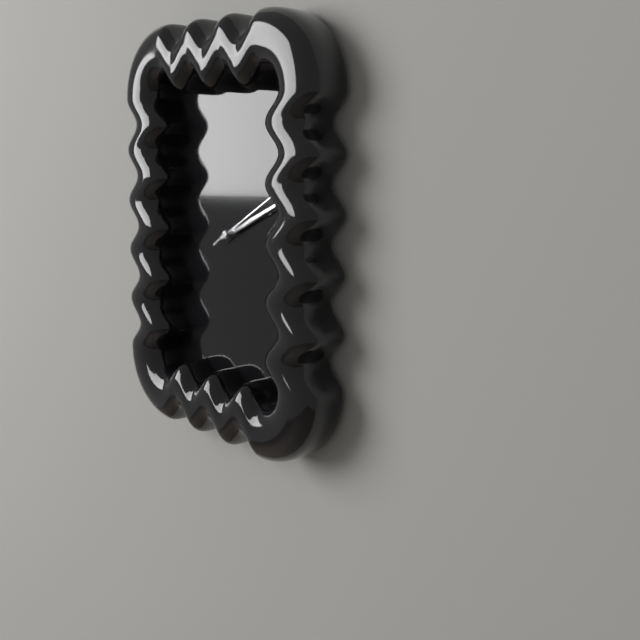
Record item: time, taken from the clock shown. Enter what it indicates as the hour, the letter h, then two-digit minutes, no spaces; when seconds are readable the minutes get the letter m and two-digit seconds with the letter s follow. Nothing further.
2h11m10s
